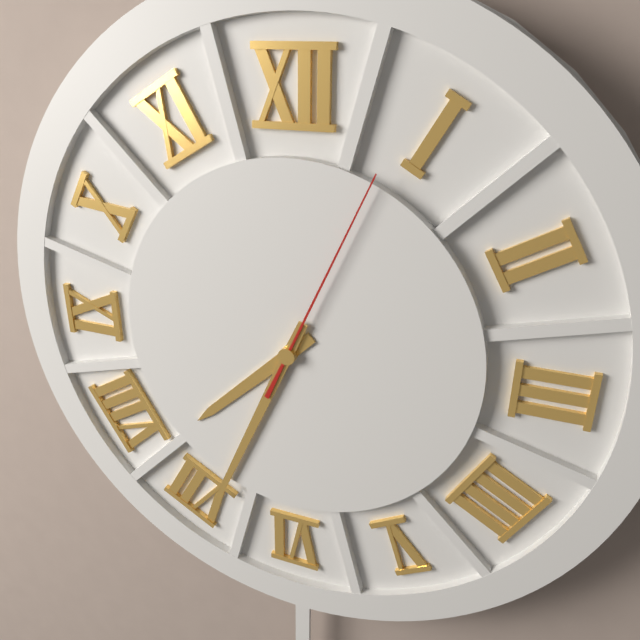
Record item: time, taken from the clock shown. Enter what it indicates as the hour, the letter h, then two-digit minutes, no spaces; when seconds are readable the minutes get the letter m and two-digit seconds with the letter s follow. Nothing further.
7h34m04s
